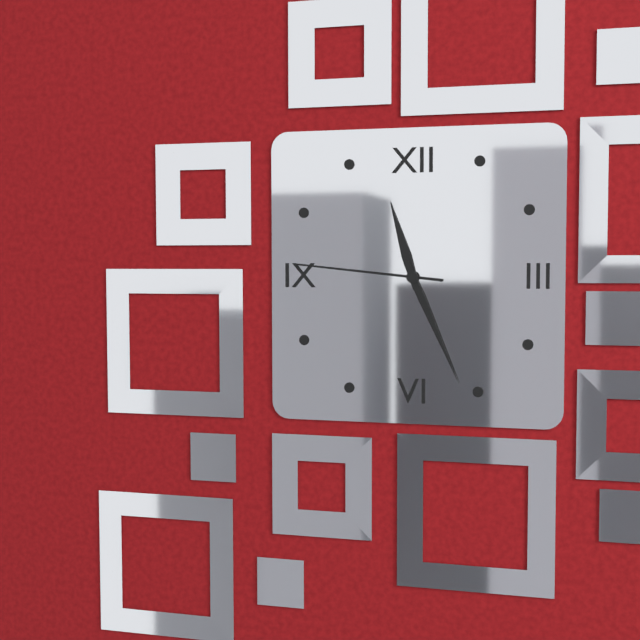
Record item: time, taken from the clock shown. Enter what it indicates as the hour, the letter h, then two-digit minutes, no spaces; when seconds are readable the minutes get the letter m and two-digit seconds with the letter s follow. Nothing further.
11h26m46s
